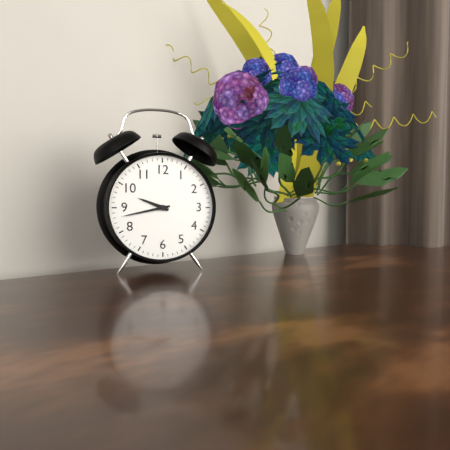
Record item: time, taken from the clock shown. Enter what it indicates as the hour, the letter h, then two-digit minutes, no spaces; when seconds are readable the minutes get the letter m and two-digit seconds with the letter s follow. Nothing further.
9h43
